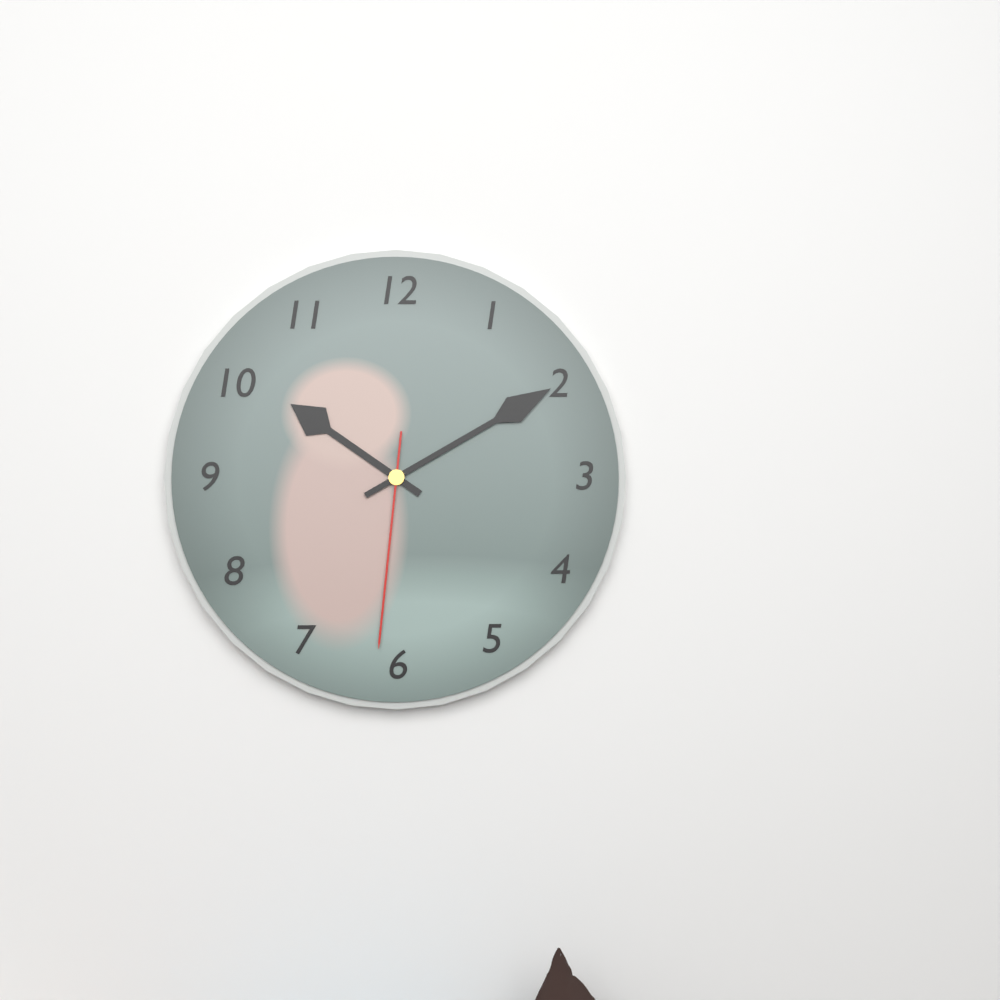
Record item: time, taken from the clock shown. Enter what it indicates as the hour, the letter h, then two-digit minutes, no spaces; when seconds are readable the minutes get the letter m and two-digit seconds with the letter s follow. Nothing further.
10h10m31s
